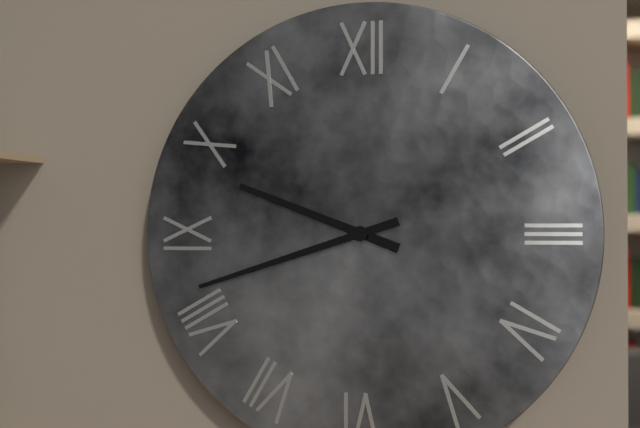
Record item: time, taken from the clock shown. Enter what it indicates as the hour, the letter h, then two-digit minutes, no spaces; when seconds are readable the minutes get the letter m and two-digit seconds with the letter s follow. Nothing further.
9h42
